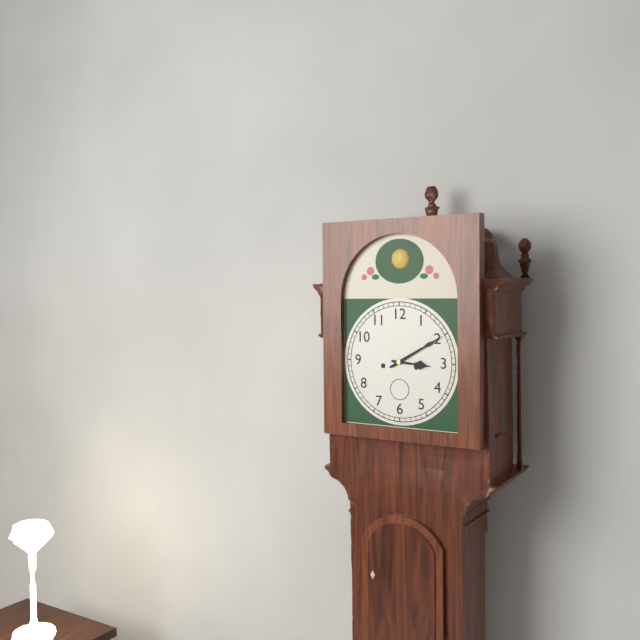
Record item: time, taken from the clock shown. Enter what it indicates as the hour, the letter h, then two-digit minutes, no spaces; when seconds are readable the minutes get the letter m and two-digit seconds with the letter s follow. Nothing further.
3h10
